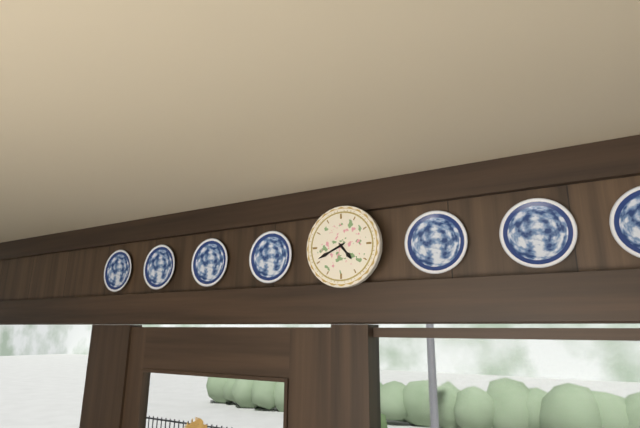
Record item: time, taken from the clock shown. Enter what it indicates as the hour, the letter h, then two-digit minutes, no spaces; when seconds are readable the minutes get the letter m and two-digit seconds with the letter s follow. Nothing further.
4h41
